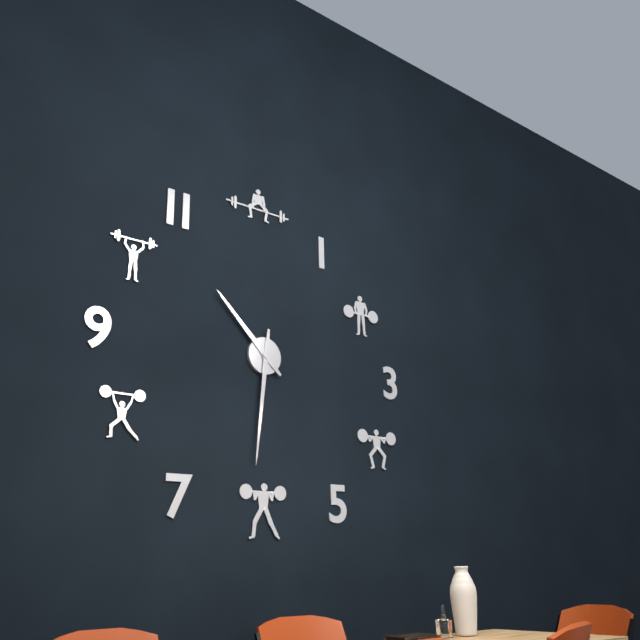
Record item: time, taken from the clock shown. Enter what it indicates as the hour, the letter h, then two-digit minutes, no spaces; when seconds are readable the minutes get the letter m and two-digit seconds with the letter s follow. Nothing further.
10h31
